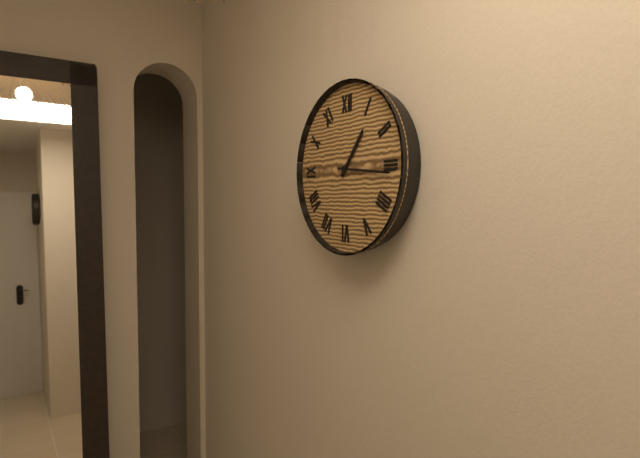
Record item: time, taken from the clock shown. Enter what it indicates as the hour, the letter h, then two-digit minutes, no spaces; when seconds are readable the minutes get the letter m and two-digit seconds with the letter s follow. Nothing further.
1h16
